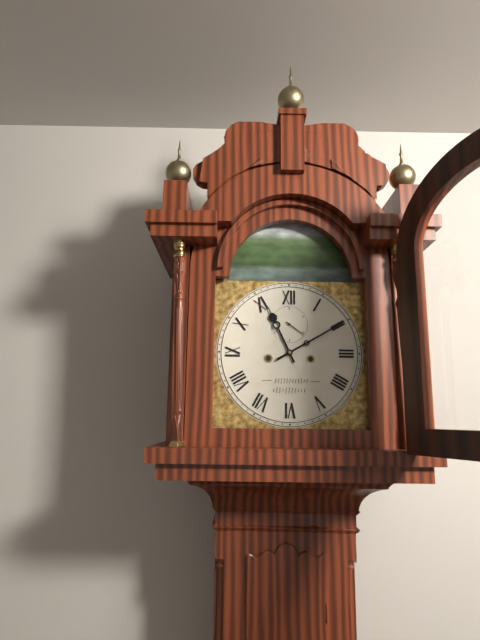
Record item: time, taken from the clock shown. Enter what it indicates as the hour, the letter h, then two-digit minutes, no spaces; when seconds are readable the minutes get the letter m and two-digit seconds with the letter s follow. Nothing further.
11h10
